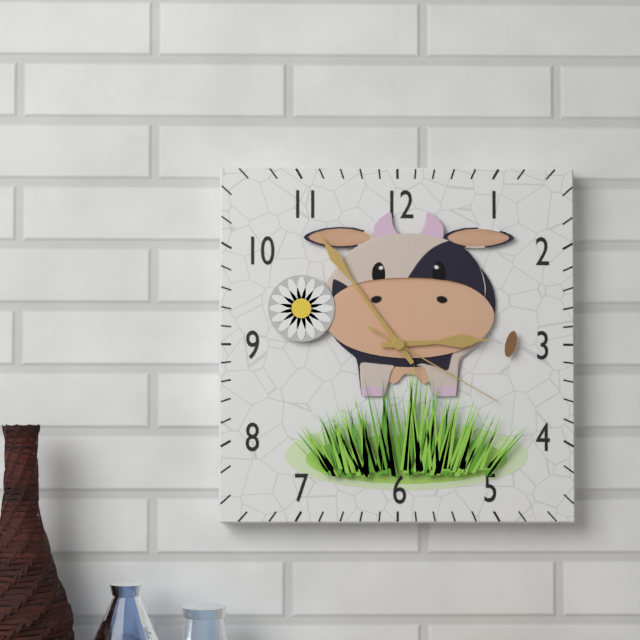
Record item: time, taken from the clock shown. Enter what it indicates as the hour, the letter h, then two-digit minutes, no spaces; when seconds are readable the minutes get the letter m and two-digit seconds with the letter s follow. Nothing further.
2h54m20s
